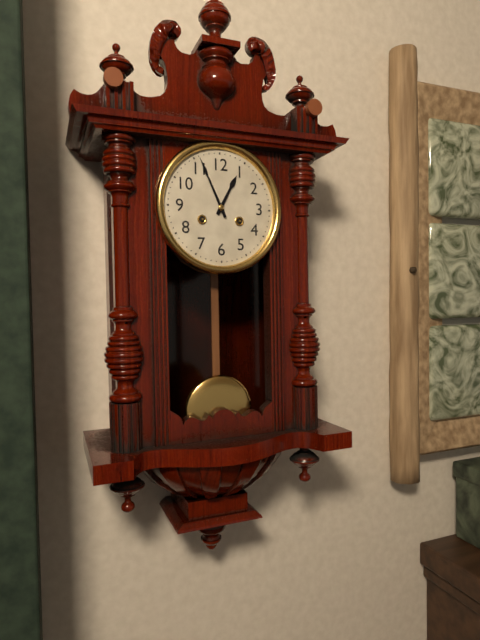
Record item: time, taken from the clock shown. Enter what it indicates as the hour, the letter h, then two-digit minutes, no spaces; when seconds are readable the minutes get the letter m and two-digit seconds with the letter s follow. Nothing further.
12h56
